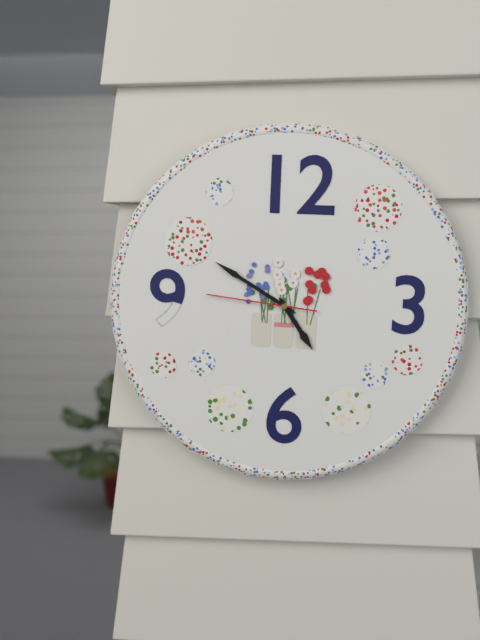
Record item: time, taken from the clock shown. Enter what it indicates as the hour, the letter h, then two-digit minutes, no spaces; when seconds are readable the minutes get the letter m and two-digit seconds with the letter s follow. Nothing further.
4h50m46s
